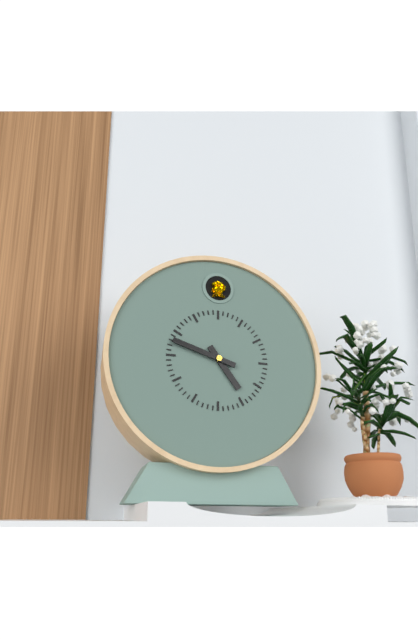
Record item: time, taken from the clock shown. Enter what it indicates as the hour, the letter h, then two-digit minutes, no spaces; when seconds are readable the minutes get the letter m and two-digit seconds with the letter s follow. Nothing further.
4h48
